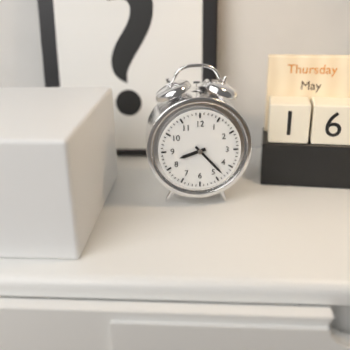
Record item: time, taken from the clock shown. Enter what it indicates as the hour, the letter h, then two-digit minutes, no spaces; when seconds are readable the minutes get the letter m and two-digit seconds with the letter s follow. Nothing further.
8h23
